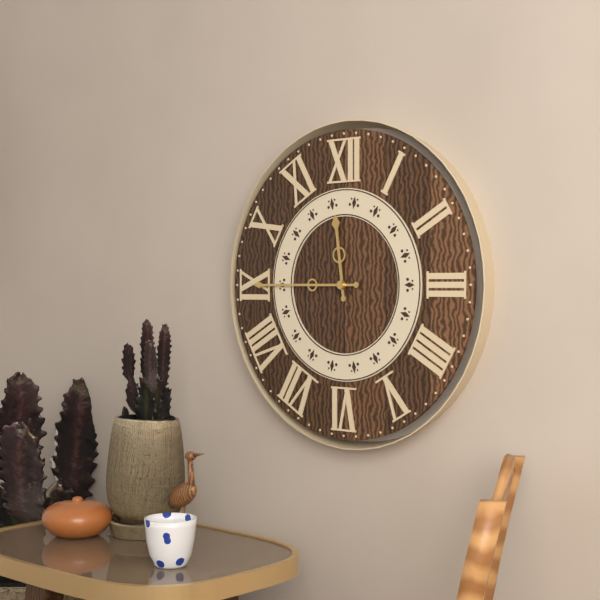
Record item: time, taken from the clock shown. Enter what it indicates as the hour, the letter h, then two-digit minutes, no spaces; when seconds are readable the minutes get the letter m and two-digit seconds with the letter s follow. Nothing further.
11h45
